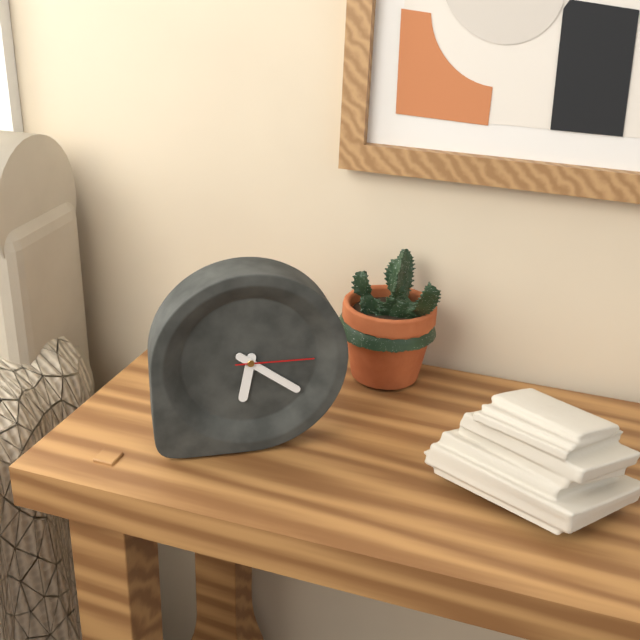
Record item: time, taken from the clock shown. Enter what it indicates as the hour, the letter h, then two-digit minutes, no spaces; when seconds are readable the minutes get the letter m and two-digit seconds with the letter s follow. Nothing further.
6h21m15s
